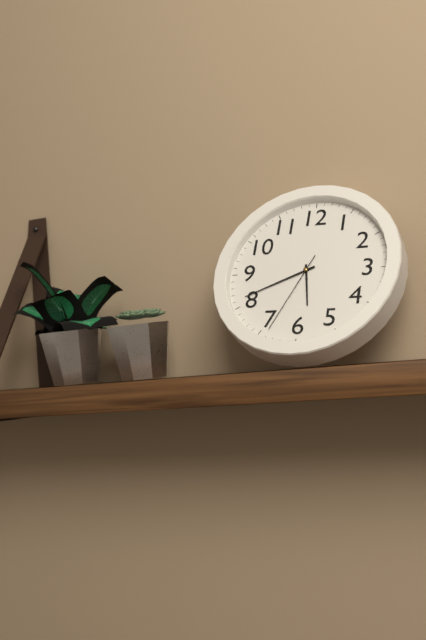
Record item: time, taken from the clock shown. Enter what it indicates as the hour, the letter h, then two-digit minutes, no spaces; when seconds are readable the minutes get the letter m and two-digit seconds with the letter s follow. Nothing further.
5h41m34s
